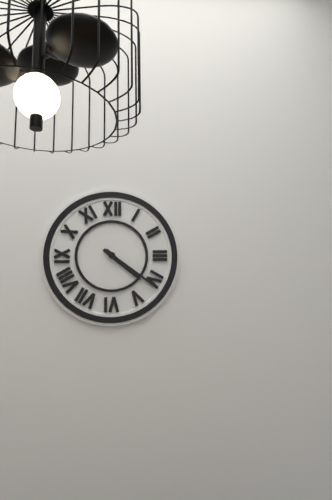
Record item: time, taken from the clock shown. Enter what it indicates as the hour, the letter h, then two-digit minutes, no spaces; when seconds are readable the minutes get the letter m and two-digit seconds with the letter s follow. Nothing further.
4h21
